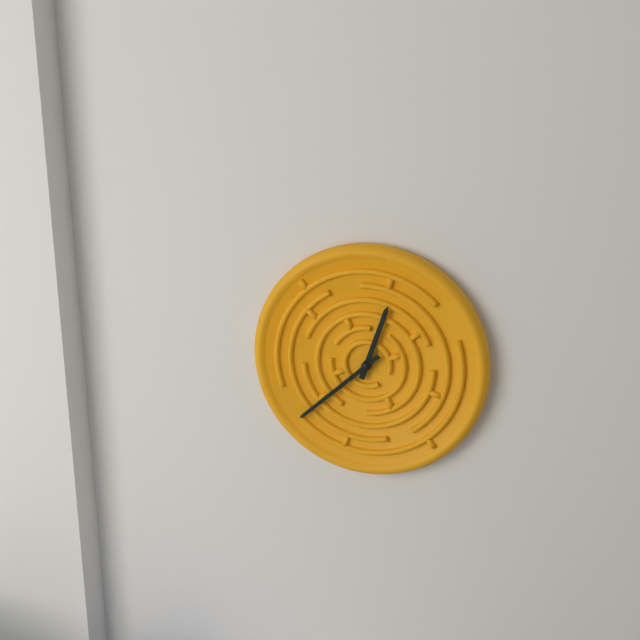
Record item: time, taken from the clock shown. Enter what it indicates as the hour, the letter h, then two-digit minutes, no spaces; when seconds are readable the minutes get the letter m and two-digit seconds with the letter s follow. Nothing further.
12h38
